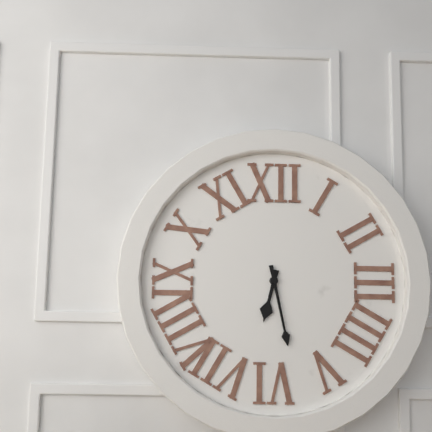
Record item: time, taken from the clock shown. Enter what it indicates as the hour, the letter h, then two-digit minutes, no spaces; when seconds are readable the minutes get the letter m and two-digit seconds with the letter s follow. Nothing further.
6h28
